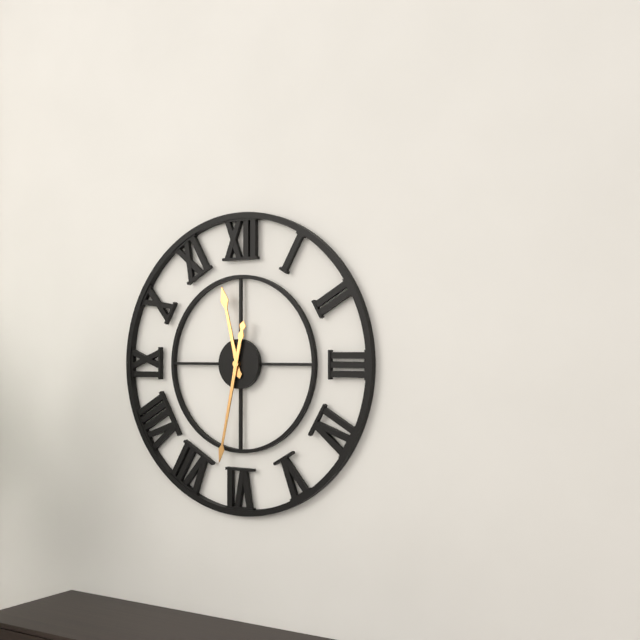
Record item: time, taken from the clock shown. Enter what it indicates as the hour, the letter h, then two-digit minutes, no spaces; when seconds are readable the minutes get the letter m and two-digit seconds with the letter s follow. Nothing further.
11h32
